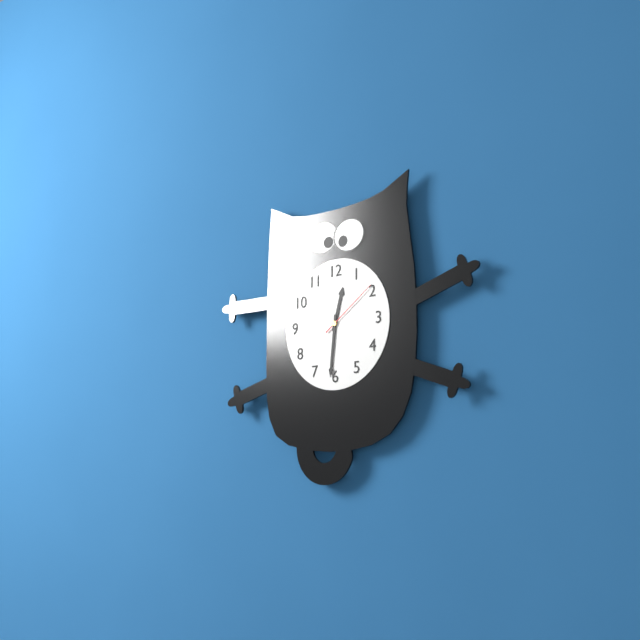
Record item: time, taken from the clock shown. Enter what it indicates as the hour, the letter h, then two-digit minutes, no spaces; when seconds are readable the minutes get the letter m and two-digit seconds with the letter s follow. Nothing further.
12h31m09s
